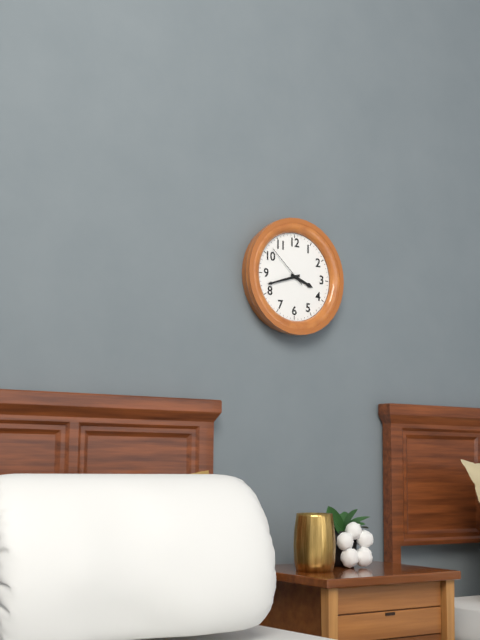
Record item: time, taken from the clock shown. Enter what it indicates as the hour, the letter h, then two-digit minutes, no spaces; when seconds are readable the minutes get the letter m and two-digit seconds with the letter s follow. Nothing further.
3h42
